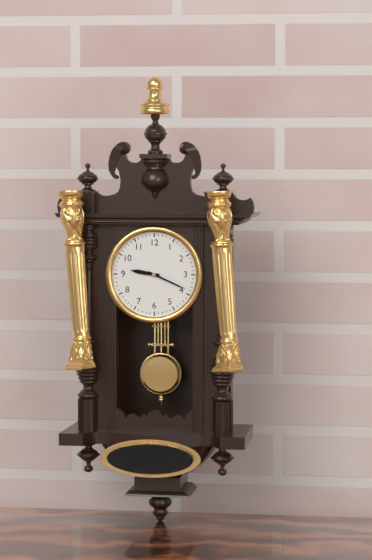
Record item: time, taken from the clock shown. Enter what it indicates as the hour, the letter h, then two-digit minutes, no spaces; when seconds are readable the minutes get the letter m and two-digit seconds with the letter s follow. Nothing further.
9h19
